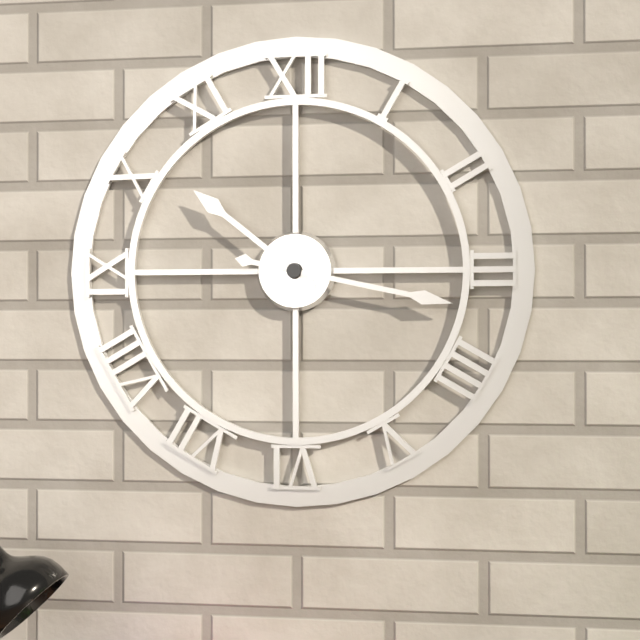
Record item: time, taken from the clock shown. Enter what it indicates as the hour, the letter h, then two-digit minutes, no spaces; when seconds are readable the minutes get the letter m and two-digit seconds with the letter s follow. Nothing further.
10h17
